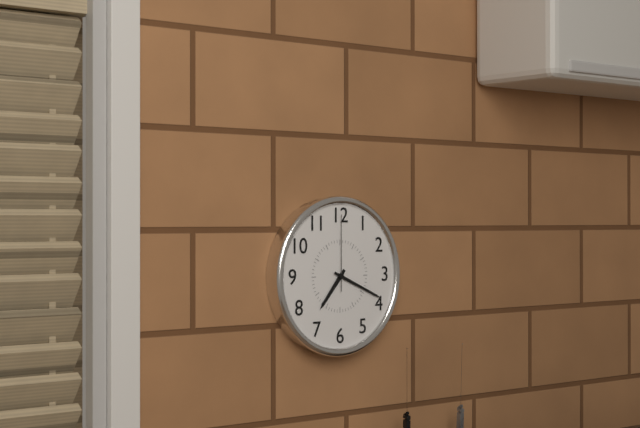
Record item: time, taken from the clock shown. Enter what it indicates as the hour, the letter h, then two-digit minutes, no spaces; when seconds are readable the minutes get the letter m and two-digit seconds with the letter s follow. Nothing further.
7h19m00s
